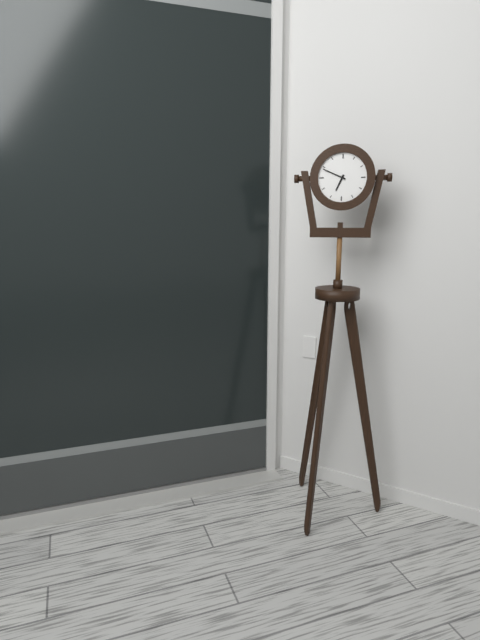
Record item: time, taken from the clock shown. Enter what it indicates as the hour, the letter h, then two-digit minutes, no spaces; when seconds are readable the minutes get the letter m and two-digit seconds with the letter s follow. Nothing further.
6h49
